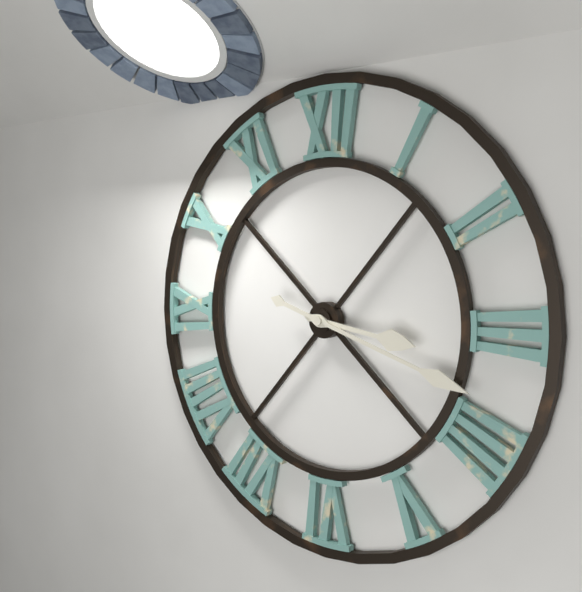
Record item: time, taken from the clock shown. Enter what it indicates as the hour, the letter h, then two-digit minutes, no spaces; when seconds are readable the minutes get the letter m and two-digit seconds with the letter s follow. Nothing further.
3h18
